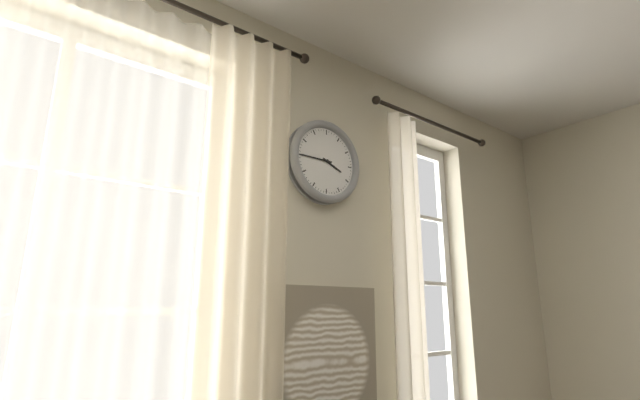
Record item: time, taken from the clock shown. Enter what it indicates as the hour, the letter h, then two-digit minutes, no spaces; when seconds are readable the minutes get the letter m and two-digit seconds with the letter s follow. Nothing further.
3h45
